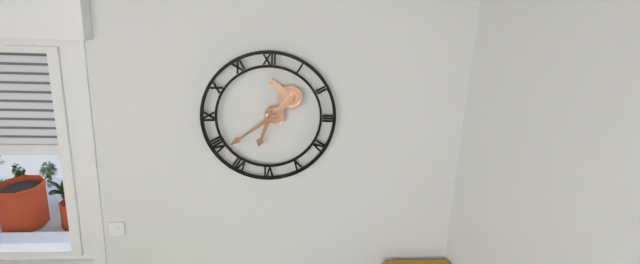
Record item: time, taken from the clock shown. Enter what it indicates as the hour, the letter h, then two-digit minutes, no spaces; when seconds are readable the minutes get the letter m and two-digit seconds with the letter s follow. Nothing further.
6h39
